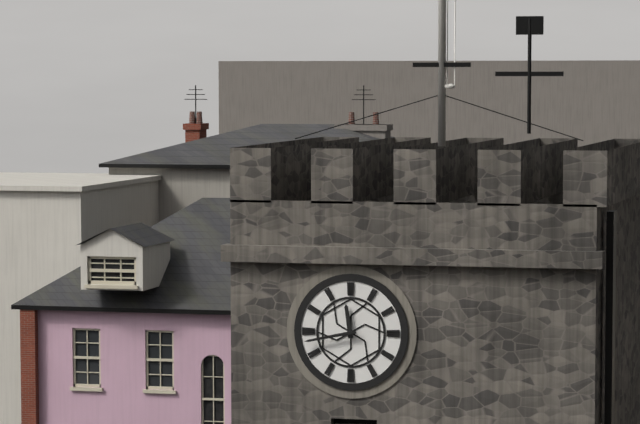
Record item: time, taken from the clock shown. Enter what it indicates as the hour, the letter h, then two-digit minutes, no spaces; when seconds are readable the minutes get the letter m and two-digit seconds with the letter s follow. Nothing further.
11h43
